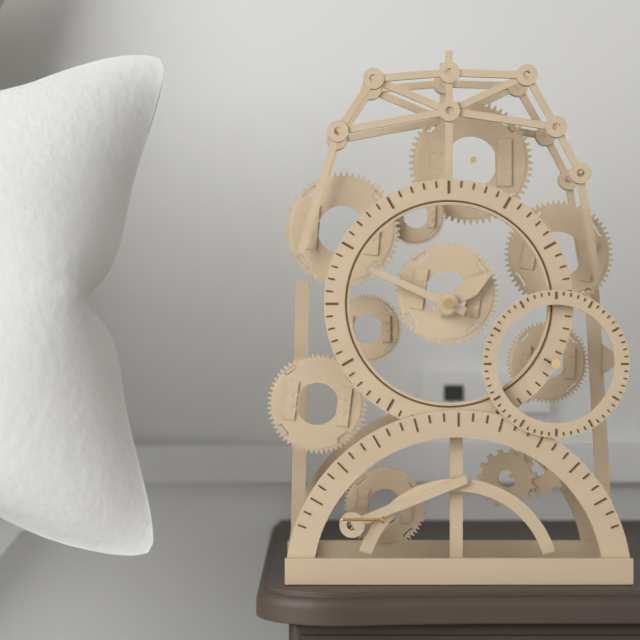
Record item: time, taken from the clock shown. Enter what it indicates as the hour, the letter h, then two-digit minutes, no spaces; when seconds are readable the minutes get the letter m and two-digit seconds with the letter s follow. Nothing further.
1h49
